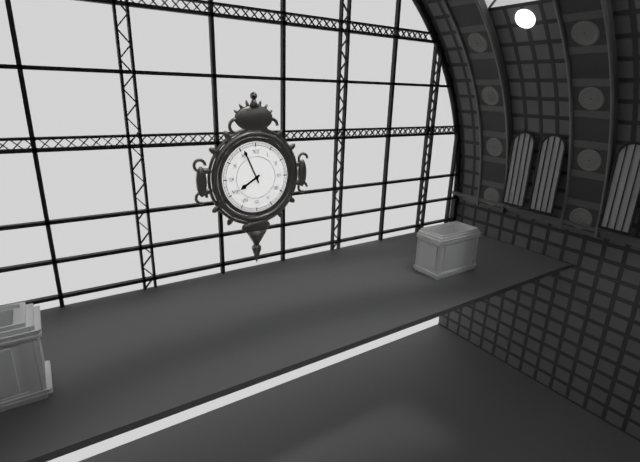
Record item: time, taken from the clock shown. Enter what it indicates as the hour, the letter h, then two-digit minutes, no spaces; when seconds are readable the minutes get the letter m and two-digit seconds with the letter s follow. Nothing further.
7h56
